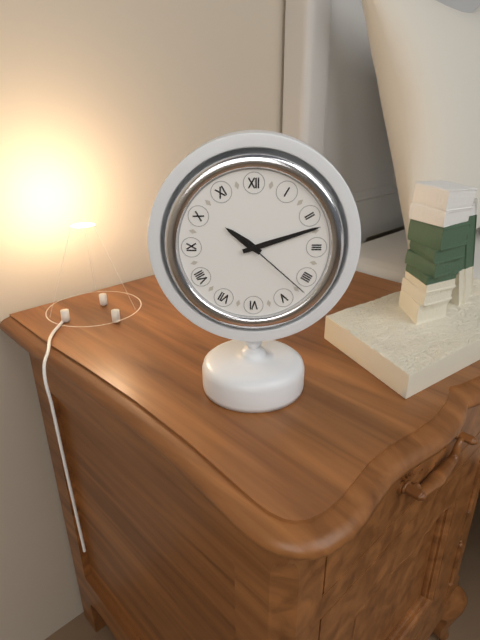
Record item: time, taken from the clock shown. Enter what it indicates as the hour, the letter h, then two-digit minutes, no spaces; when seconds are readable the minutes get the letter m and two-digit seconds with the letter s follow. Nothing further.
10h12m22s
